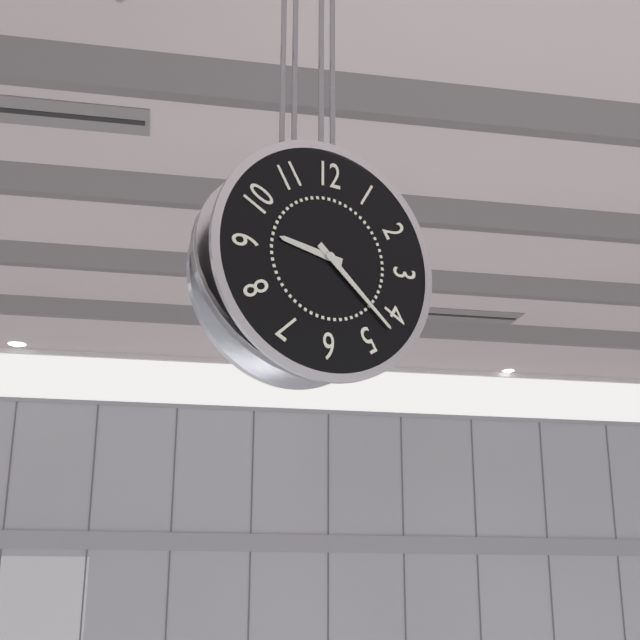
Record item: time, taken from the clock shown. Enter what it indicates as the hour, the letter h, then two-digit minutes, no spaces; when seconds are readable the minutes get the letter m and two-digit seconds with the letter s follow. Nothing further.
9h22
